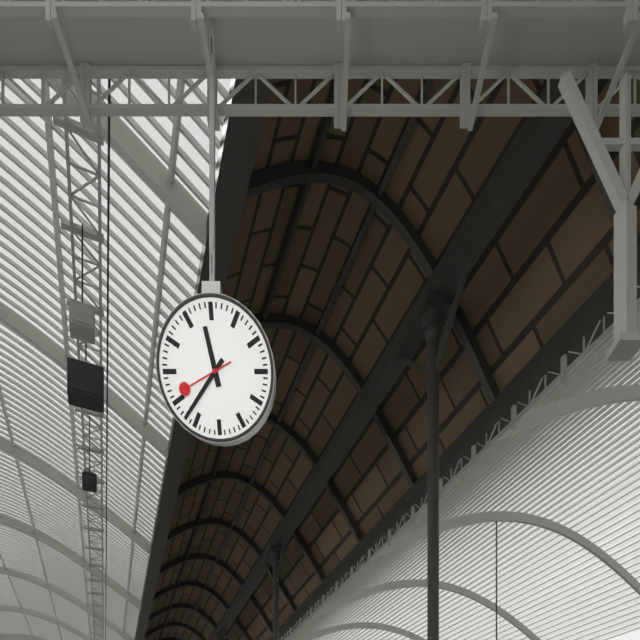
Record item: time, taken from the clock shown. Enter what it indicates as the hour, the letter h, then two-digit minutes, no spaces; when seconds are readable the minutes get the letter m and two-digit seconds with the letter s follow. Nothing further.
11h37m41s
